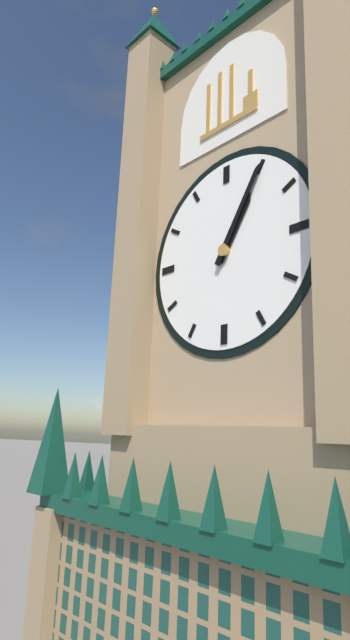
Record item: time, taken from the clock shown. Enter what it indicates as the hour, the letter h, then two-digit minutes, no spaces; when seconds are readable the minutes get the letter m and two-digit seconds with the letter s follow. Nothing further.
1h05
